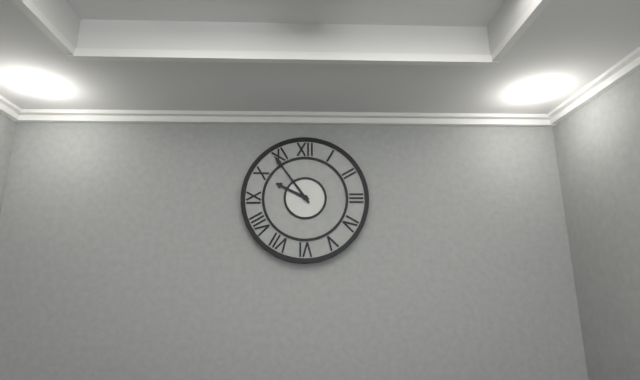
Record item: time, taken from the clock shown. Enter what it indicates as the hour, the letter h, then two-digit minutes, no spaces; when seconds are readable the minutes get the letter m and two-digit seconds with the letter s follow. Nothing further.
9h54
